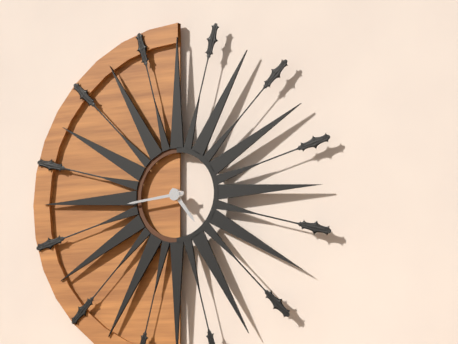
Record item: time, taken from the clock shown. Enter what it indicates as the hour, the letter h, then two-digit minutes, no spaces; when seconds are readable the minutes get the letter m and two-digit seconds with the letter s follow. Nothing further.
4h44
